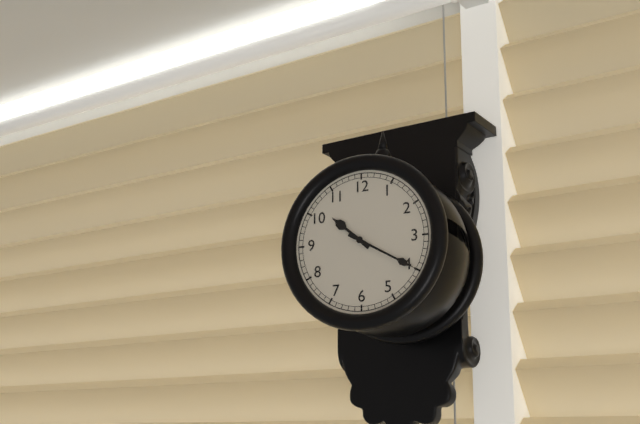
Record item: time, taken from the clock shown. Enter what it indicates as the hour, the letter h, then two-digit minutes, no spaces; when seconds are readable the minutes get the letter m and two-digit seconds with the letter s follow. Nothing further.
10h20
